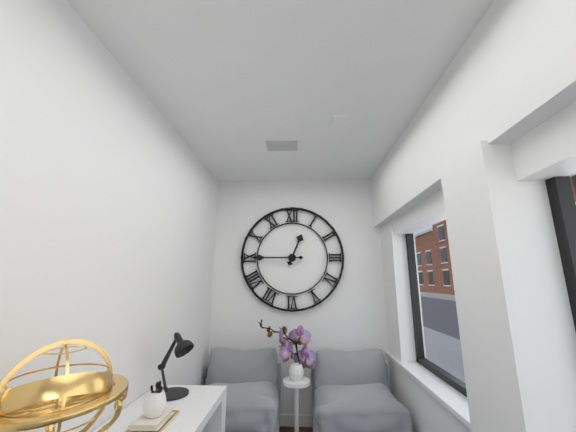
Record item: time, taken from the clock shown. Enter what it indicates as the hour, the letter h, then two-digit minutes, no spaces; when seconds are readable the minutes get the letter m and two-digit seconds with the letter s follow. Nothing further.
12h45
